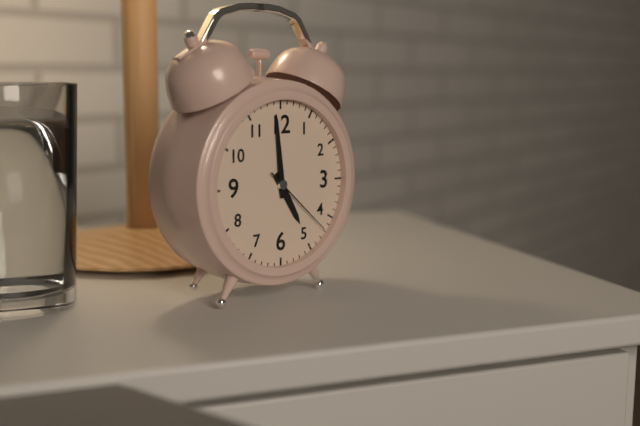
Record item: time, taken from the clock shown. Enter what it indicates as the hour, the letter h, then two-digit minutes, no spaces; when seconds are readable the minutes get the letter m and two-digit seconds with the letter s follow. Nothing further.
4h59m22s
